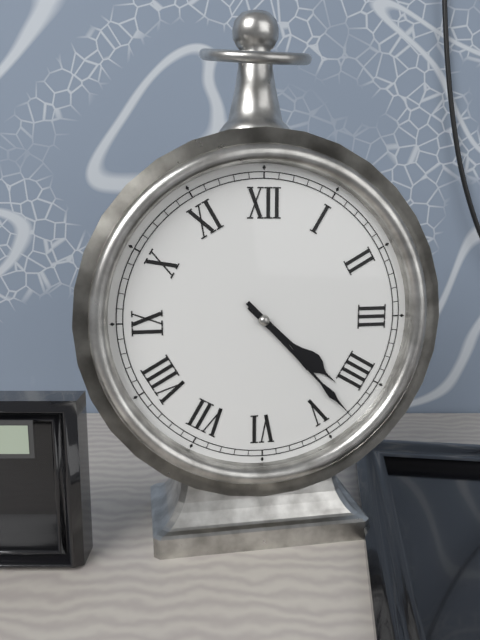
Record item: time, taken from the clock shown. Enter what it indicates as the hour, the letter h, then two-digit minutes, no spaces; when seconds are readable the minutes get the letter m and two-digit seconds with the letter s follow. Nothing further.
4h23
